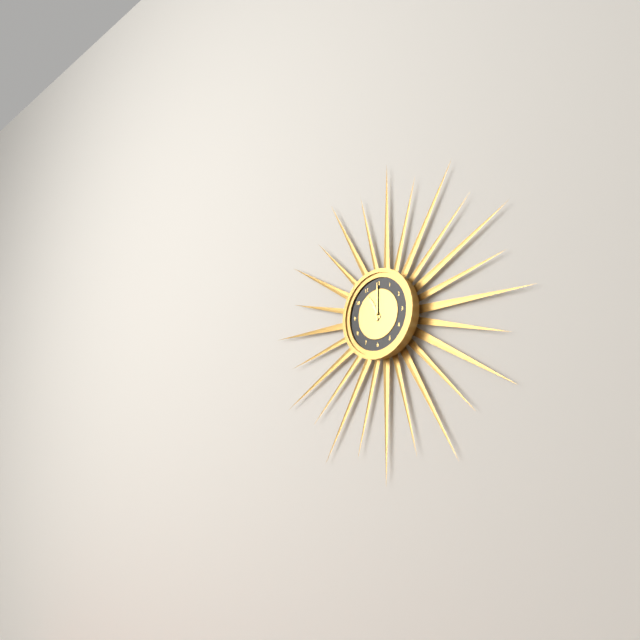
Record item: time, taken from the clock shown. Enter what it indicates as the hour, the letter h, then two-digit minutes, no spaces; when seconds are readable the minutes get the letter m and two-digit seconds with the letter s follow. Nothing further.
11h00
